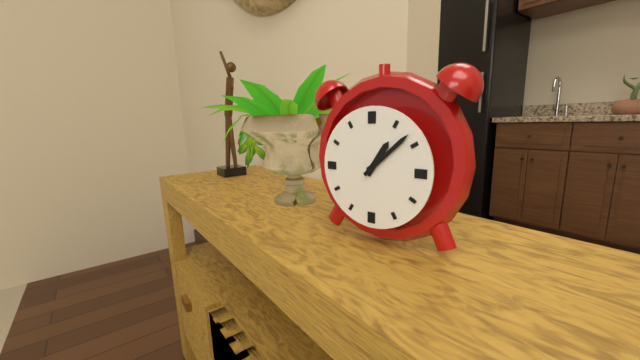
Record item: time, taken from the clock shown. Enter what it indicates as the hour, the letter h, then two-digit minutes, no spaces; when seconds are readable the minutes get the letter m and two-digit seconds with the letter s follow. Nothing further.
1h08
